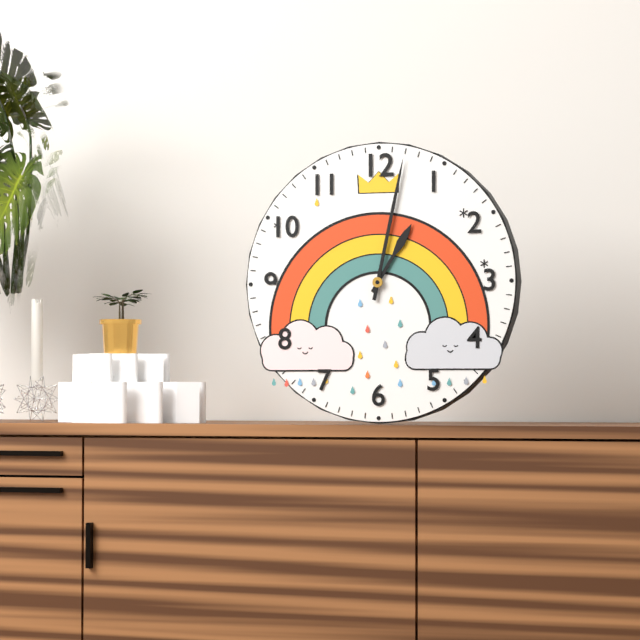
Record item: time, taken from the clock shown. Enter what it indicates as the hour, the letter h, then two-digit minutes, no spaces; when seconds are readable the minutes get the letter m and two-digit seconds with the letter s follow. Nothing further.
1h02
